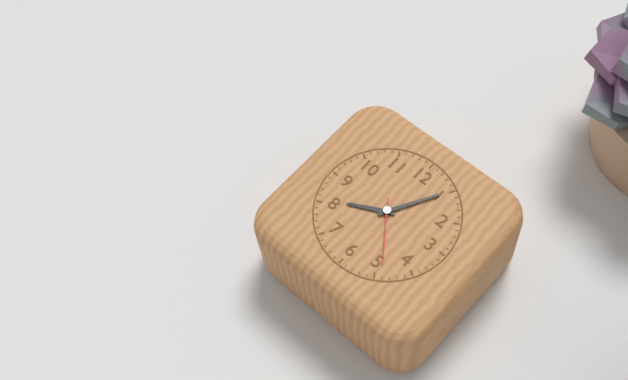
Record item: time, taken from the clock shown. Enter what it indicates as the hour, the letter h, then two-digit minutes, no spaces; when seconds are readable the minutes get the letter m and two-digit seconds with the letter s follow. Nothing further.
8h05m24s
